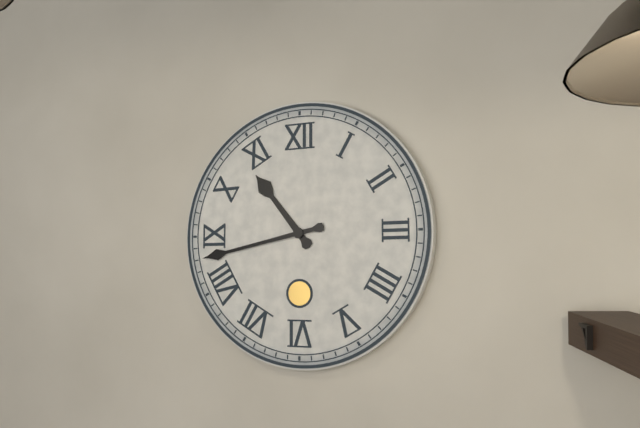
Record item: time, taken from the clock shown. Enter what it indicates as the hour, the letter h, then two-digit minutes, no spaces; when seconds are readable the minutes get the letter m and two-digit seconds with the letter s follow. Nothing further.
10h43
